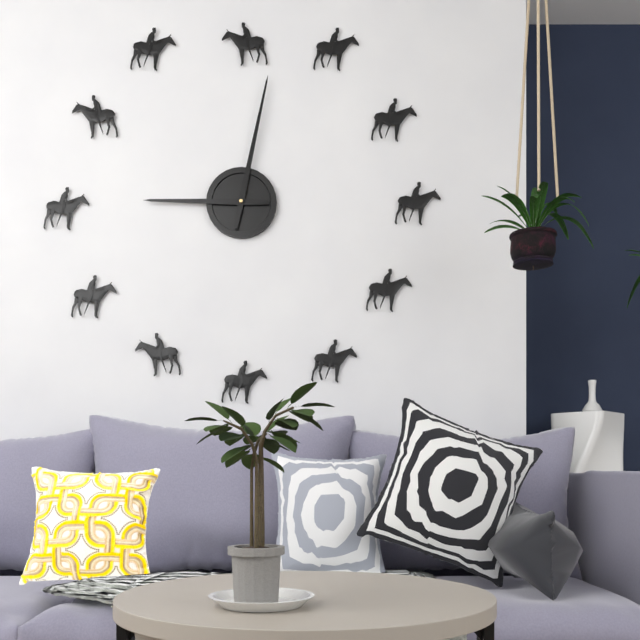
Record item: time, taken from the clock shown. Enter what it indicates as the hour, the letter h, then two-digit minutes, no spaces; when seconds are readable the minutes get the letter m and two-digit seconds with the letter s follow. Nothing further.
9h02
